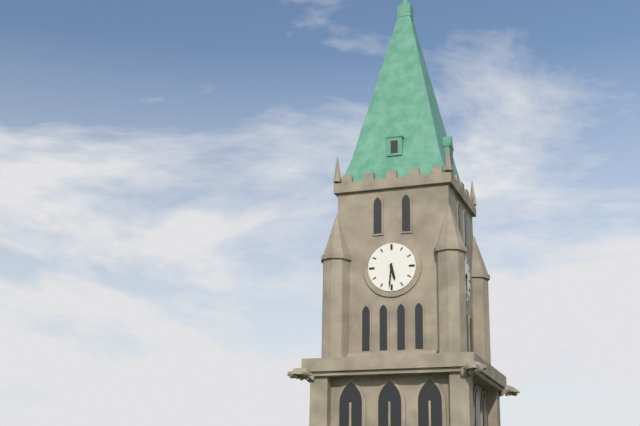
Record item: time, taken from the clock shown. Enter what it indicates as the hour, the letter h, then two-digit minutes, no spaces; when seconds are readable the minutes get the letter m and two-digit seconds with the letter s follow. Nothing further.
5h31
